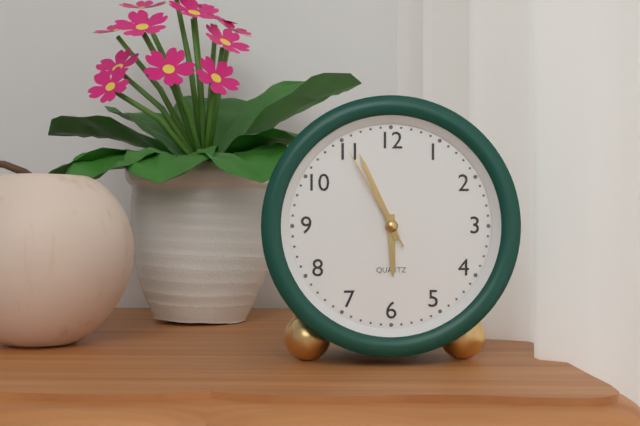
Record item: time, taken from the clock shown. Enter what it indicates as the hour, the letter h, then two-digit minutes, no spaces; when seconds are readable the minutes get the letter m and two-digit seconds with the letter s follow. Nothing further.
5h56m55s
